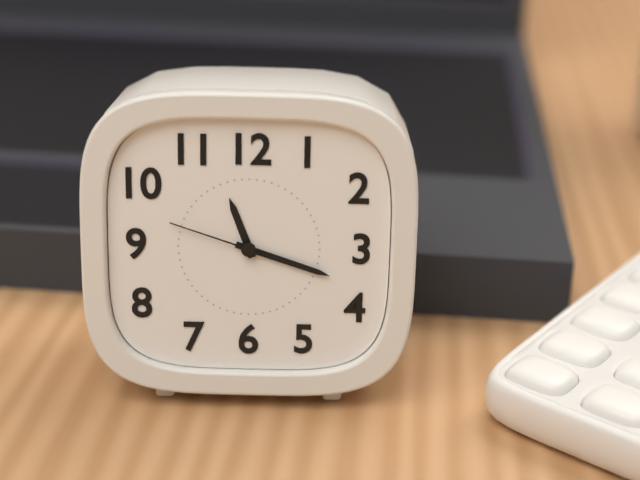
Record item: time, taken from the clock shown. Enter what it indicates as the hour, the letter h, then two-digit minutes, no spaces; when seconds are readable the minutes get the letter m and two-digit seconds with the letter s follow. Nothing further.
11h18m48s
